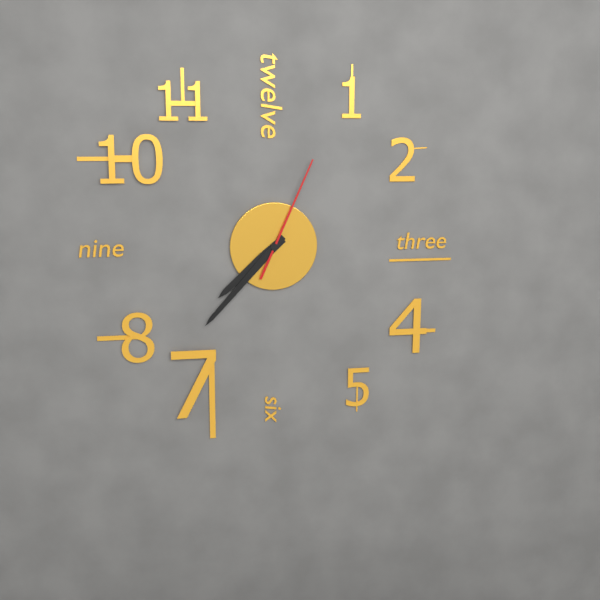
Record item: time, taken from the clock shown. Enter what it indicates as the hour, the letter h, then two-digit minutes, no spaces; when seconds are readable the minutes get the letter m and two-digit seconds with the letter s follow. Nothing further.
7h37m04s
